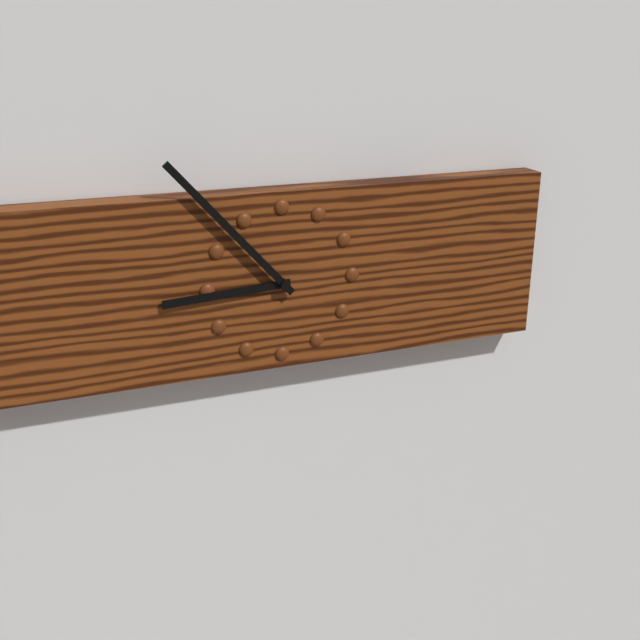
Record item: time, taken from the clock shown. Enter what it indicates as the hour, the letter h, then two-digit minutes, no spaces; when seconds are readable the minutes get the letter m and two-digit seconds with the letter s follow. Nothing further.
8h53
